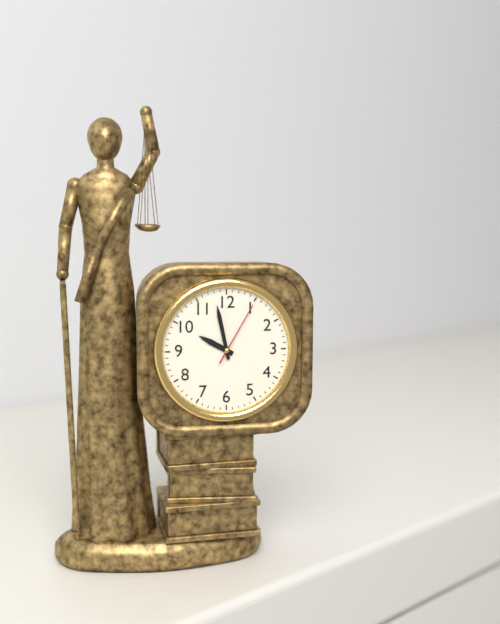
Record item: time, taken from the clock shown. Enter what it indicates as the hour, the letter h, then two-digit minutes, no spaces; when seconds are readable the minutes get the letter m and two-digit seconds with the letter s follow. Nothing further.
9h58m05s
